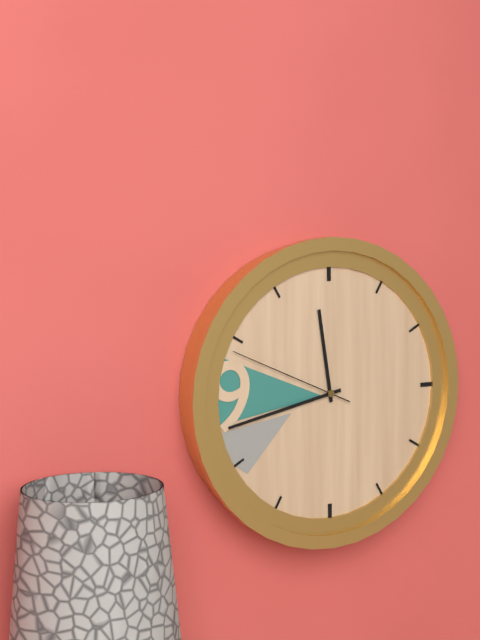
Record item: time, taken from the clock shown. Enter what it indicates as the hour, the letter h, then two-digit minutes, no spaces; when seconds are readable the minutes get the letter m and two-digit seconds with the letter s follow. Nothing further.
11h43m49s
